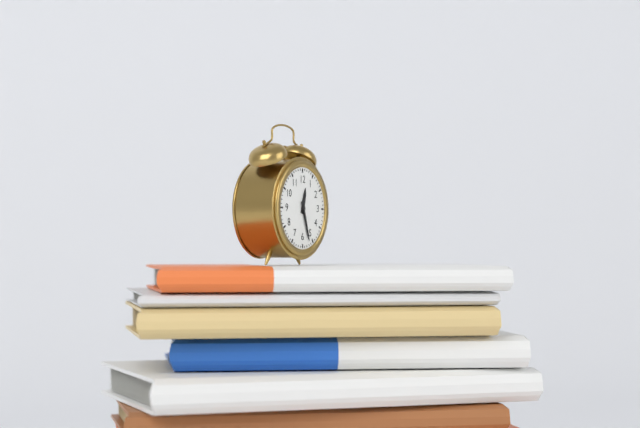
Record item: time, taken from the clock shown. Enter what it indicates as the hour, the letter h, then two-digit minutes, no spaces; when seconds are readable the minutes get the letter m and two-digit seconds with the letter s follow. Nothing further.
12h27
